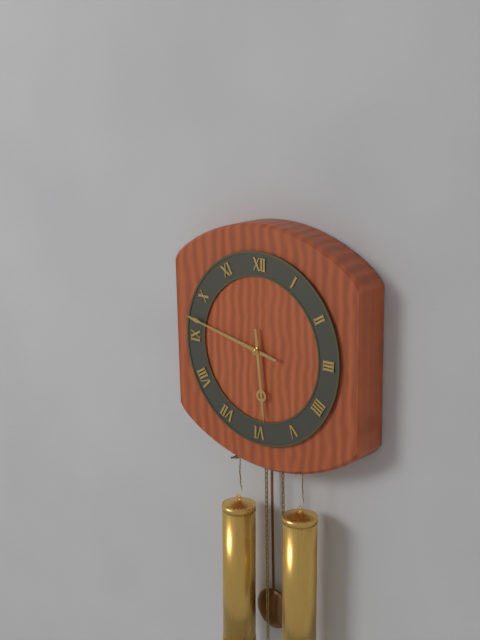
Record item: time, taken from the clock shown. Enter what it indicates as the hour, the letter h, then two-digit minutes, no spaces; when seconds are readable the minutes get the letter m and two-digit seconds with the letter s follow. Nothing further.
5h47
